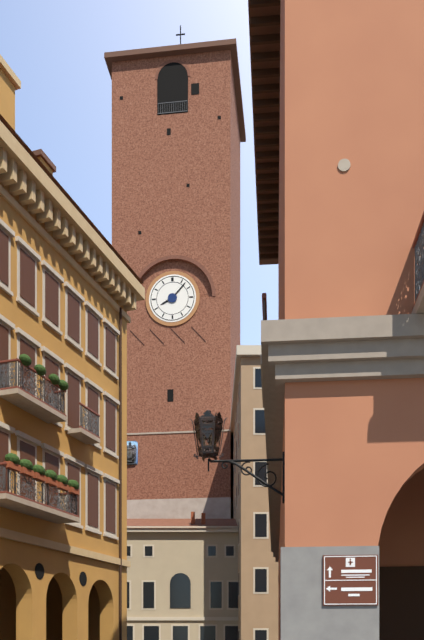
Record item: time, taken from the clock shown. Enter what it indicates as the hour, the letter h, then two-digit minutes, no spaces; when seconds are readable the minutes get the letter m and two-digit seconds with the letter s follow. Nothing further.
8h07
